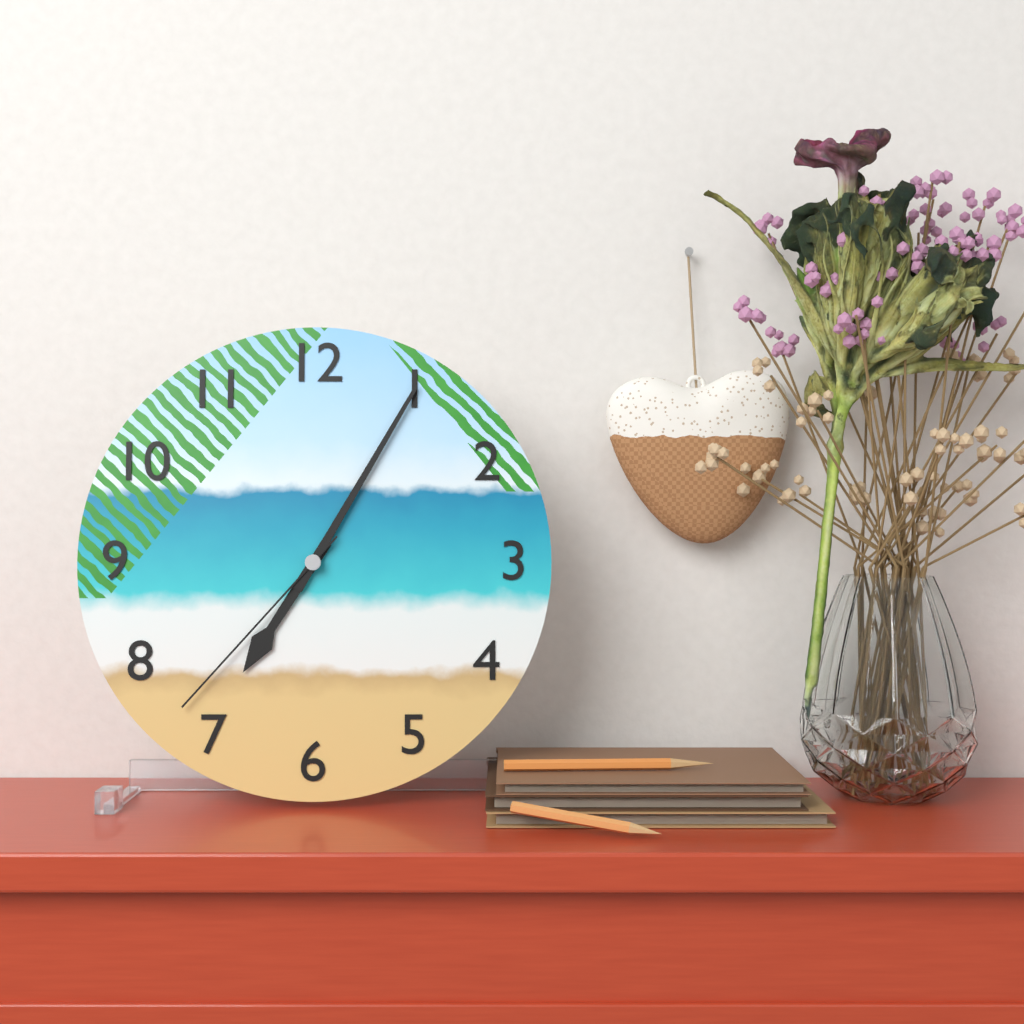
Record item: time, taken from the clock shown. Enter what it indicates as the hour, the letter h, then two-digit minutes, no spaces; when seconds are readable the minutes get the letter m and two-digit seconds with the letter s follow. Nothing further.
7h05m37s
